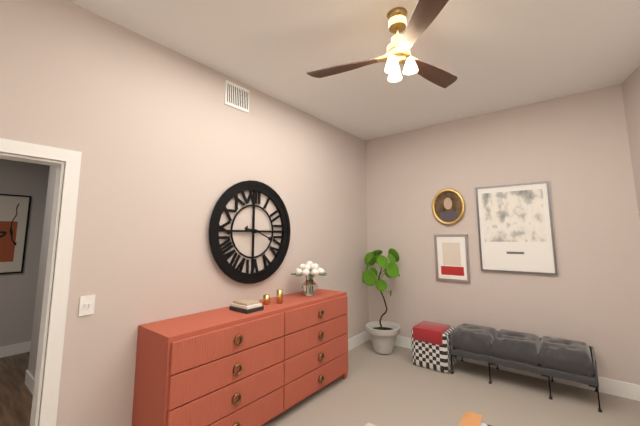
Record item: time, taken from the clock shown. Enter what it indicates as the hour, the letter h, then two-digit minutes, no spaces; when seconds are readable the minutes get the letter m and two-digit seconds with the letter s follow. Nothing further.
9h19
